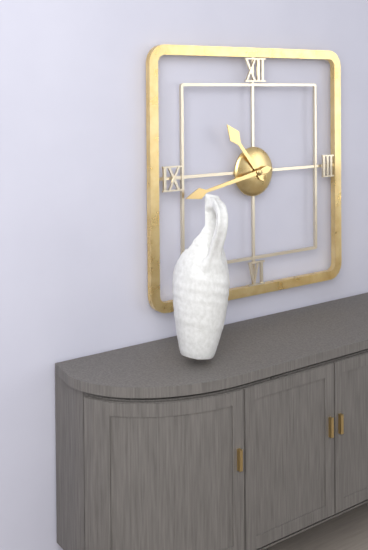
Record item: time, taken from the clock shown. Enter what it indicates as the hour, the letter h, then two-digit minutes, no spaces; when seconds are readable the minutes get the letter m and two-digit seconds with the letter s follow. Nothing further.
10h43
